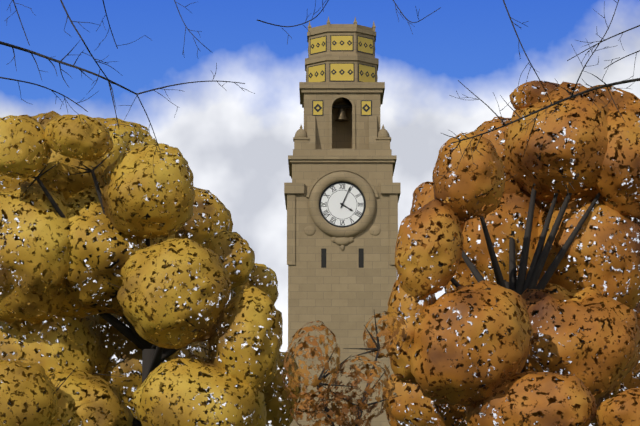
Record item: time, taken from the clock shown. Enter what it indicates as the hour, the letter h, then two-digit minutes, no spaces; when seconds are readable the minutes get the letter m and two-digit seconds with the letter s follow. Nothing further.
4h04
